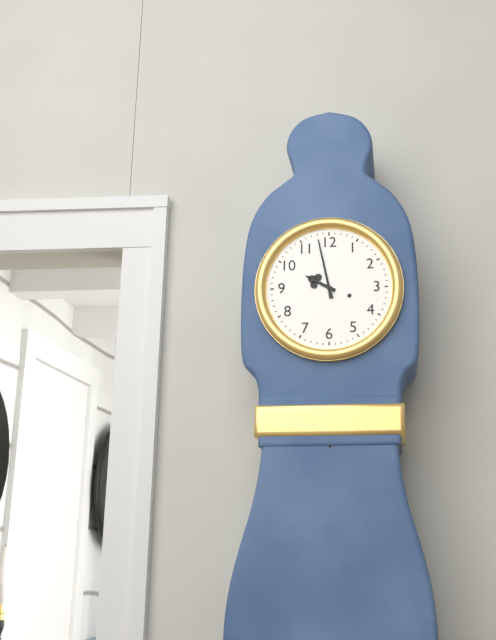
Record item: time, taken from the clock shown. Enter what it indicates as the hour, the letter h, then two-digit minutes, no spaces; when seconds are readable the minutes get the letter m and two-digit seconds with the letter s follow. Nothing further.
9h58
